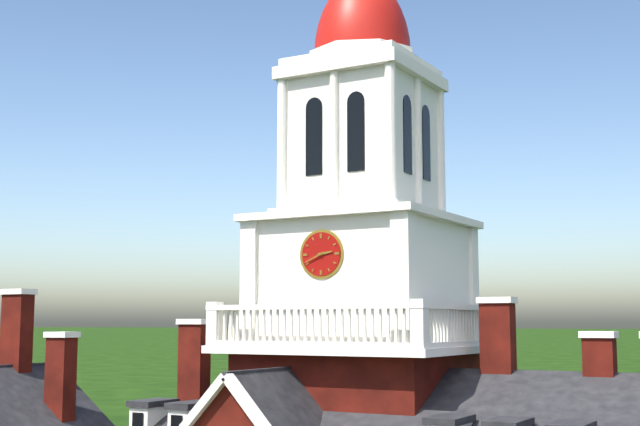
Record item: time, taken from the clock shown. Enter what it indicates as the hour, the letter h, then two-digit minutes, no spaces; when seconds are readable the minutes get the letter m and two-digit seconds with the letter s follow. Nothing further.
2h41
